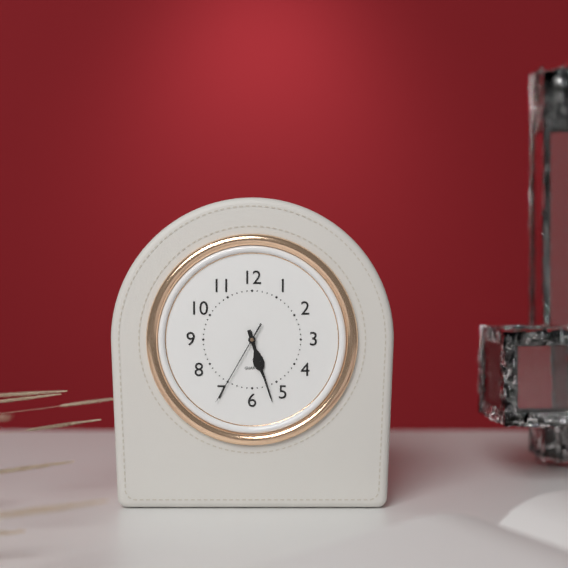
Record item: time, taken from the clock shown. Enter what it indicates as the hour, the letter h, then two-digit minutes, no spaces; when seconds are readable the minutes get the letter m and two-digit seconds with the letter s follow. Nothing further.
5h27m35s
